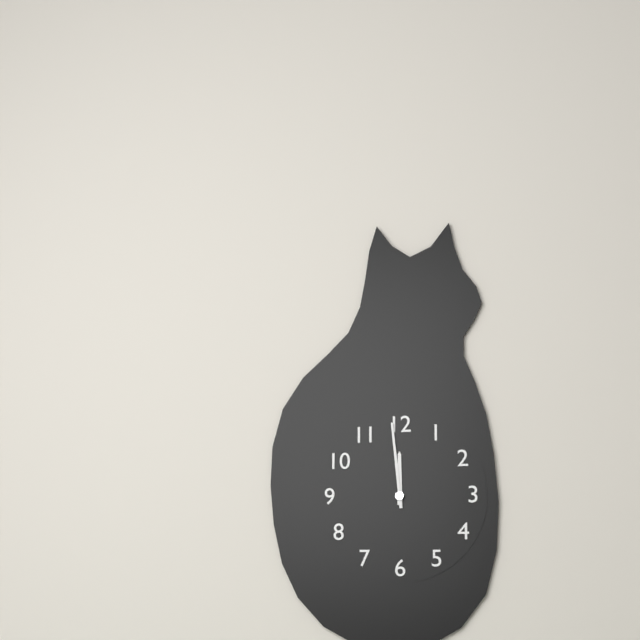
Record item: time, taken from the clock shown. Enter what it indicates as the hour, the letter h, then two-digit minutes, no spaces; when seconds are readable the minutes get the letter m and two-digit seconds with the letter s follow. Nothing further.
11h59
